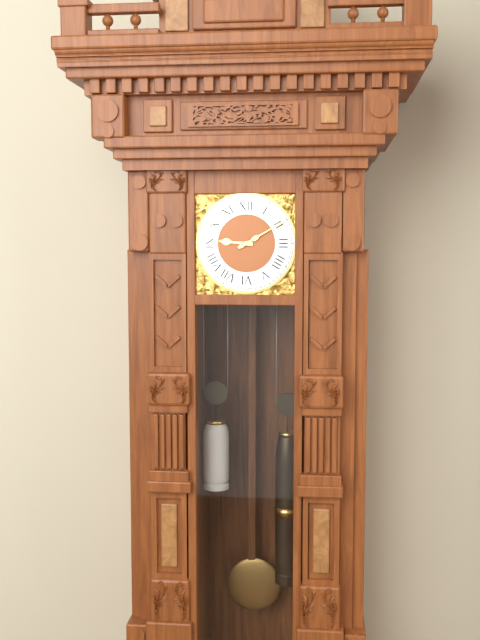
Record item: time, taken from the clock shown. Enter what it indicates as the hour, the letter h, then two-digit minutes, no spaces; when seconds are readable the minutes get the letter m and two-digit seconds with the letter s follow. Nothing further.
9h10
